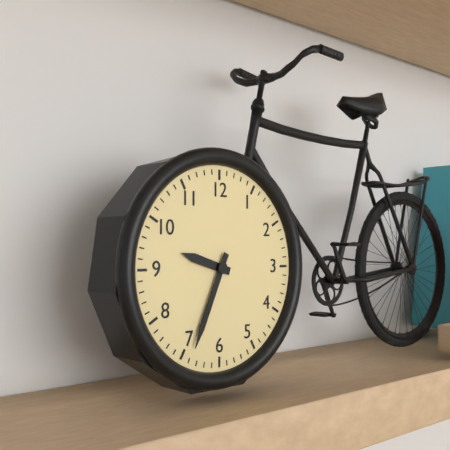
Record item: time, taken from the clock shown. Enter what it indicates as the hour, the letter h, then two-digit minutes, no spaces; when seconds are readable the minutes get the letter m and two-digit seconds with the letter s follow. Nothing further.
9h34
